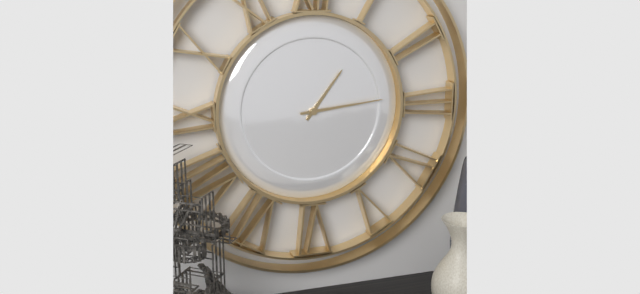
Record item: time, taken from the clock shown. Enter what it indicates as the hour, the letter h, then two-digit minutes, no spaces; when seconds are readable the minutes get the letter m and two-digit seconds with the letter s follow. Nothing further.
1h14
